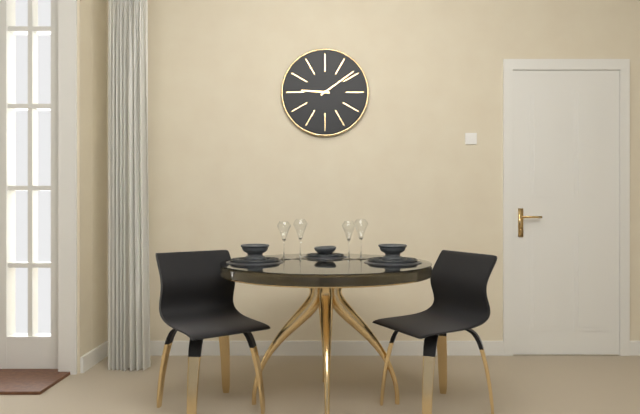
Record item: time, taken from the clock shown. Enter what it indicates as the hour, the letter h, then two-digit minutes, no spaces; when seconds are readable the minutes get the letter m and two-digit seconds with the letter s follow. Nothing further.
9h09
